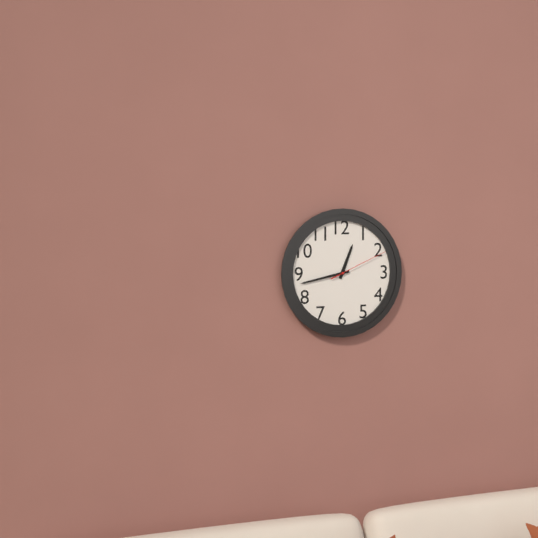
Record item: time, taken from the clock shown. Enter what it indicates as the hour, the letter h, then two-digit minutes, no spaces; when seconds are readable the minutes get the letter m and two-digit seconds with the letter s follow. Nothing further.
12h43m11s
